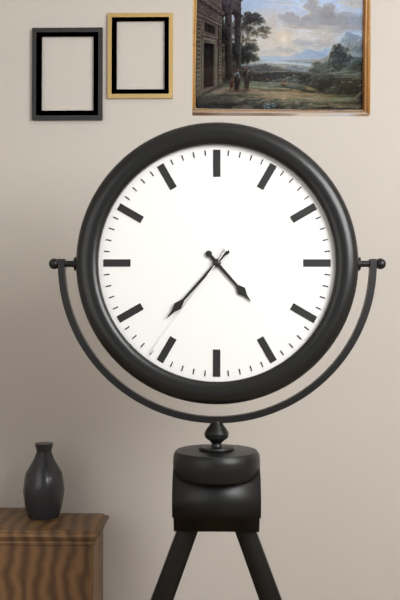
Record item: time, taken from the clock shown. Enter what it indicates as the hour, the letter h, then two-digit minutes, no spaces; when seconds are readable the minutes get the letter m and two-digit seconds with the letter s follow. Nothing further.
4h37m36s
